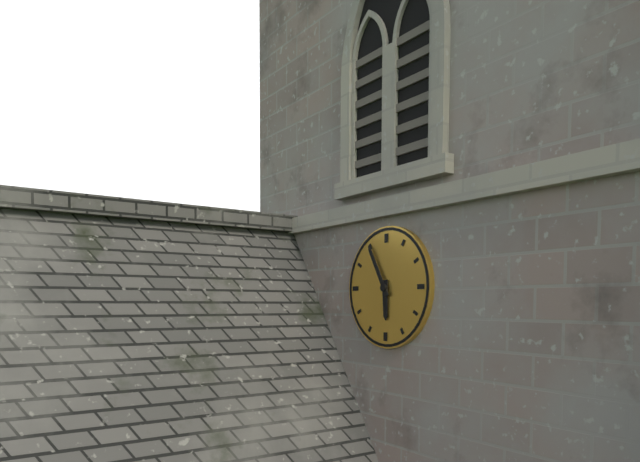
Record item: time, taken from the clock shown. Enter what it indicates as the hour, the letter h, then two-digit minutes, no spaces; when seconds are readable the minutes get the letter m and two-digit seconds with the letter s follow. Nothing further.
5h55
